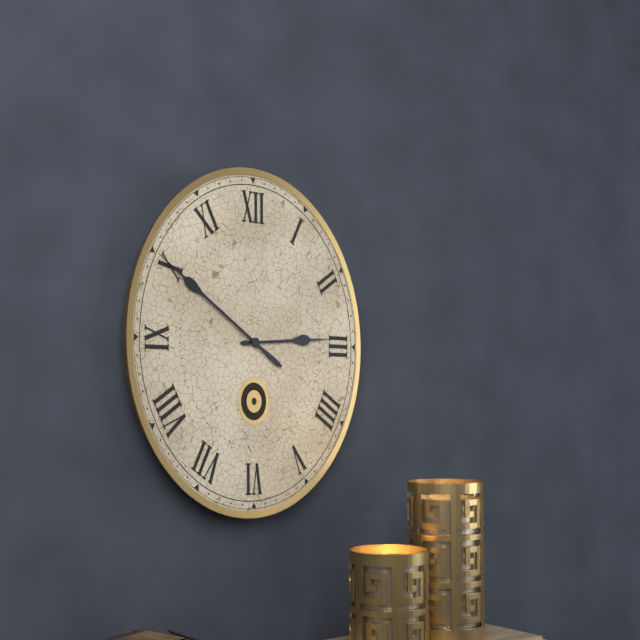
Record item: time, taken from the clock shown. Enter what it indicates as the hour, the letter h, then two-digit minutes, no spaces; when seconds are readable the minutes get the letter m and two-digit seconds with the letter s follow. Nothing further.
2h51
